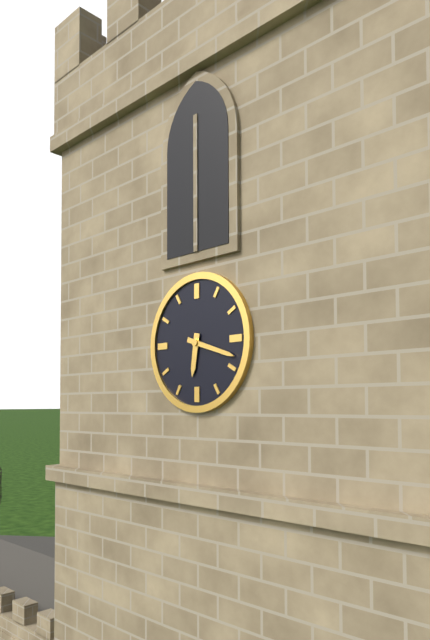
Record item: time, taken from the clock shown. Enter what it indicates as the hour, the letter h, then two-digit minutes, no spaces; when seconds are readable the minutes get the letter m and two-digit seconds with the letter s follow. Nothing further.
6h18
